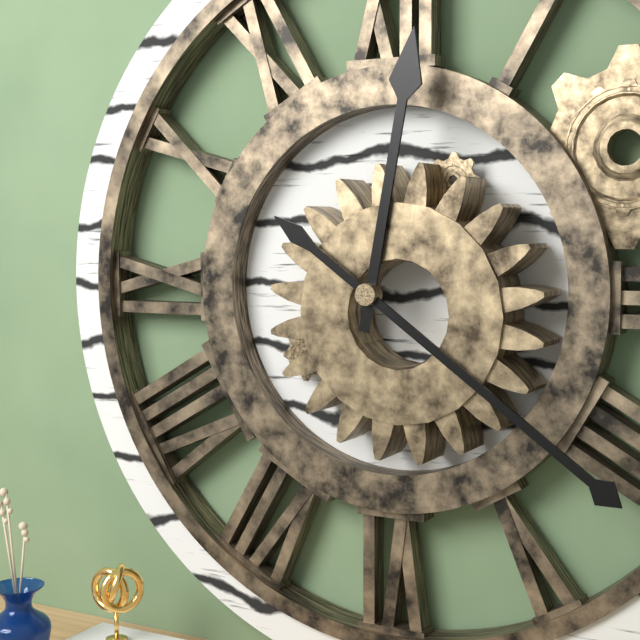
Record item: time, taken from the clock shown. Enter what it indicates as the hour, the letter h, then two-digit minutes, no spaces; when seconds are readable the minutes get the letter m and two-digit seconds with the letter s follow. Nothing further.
12h21
